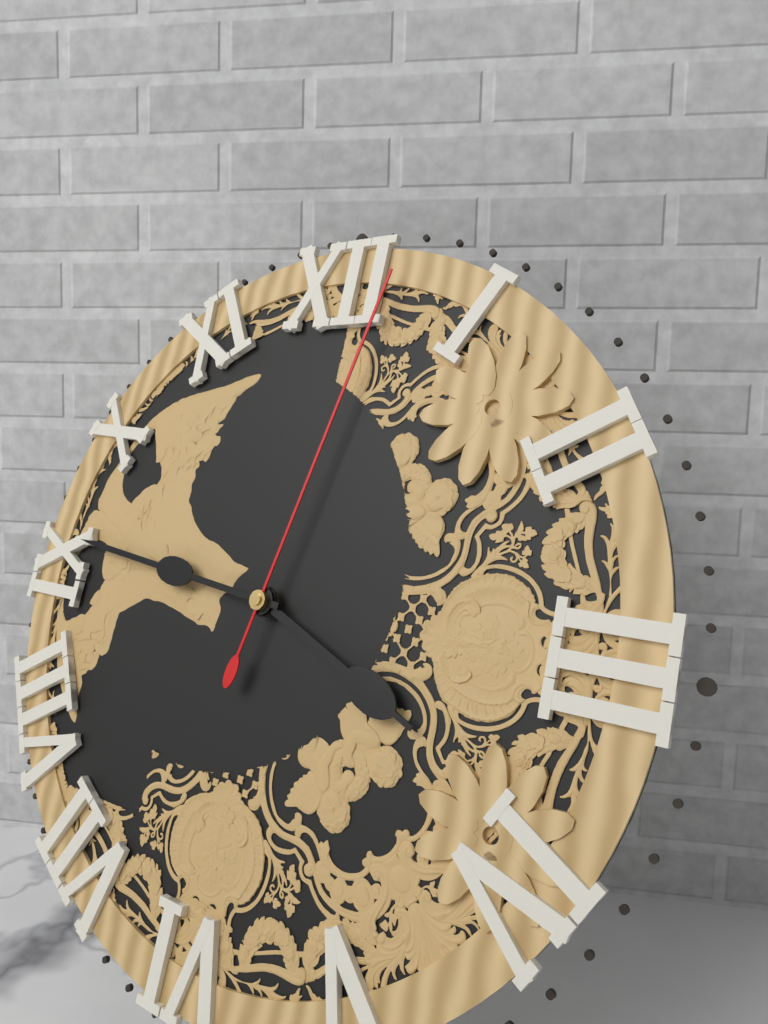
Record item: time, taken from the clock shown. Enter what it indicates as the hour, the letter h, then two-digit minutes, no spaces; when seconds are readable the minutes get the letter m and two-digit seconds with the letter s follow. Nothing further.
3h46m02s
